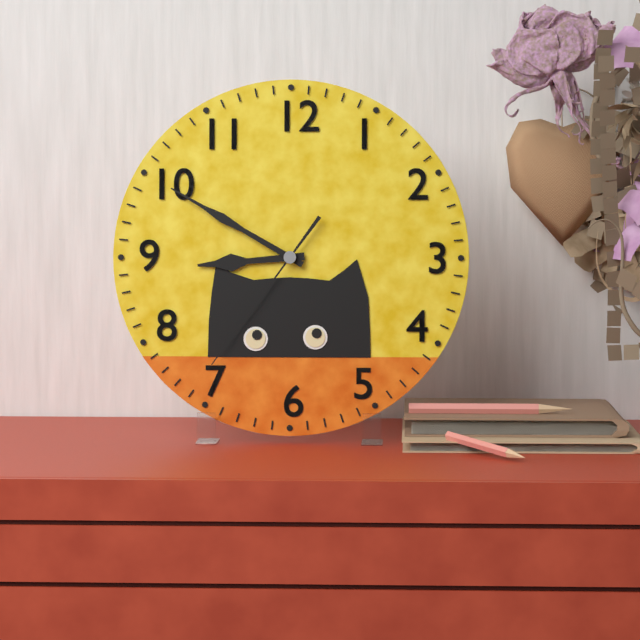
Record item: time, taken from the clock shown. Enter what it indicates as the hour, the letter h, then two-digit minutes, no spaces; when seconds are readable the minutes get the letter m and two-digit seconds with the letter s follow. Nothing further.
8h50m36s
